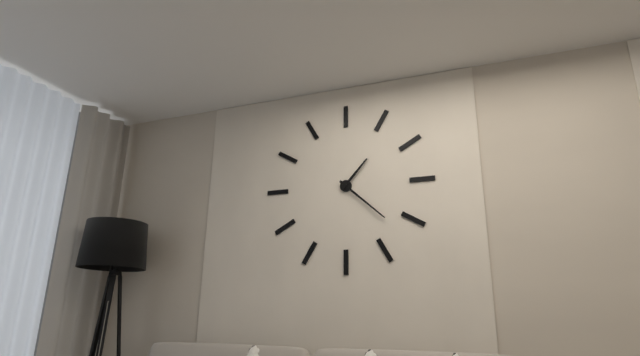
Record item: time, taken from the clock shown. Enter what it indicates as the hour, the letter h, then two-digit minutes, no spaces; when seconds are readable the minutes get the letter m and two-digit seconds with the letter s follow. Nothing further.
1h22
